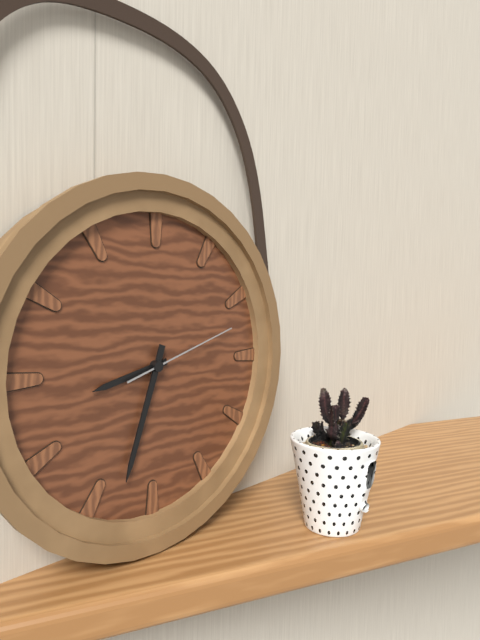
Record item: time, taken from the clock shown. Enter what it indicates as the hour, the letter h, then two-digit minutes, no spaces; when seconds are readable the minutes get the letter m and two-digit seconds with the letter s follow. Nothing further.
8h33m12s
